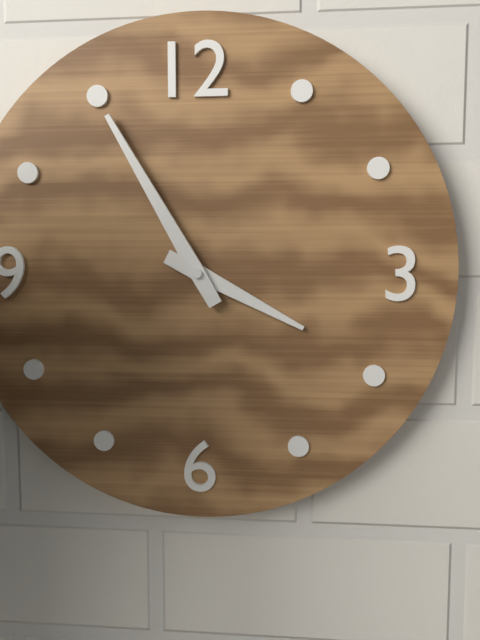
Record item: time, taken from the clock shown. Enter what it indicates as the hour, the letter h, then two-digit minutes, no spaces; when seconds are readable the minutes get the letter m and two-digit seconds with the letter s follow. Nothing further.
3h55
